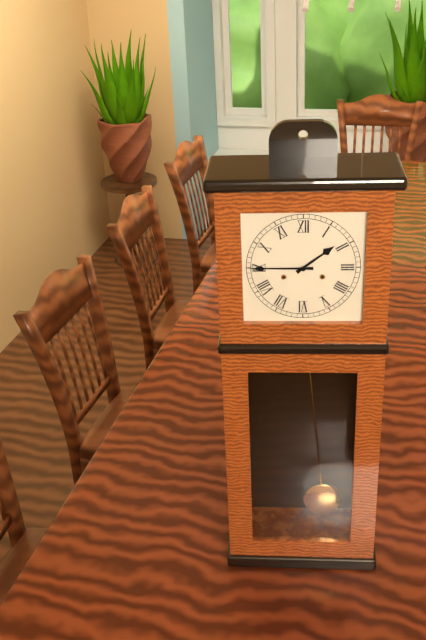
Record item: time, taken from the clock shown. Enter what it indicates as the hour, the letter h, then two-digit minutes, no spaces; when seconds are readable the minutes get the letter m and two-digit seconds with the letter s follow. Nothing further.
1h45
